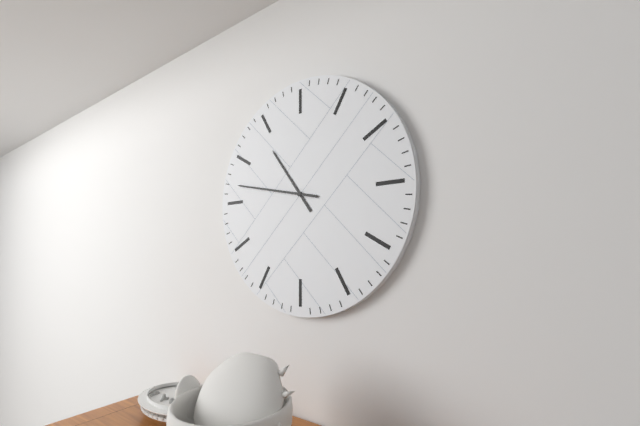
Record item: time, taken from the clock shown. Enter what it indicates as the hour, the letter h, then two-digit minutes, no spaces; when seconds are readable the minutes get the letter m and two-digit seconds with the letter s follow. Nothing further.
10h47
